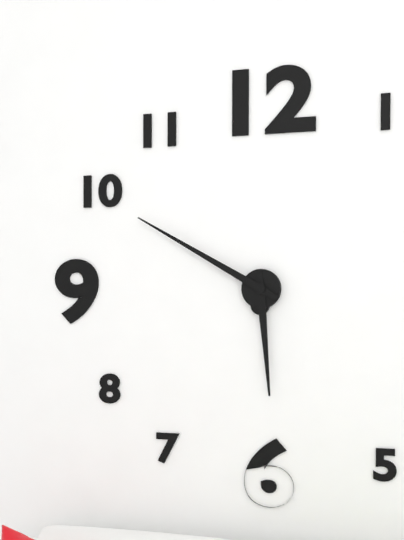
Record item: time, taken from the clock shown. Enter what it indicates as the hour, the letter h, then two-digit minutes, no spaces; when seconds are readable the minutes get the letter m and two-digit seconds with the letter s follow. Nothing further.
5h50
